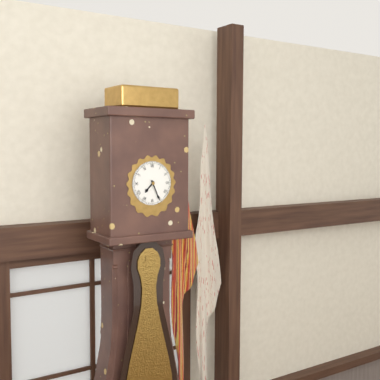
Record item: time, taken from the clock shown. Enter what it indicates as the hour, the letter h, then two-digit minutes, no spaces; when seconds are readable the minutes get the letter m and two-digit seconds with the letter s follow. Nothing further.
7h26
